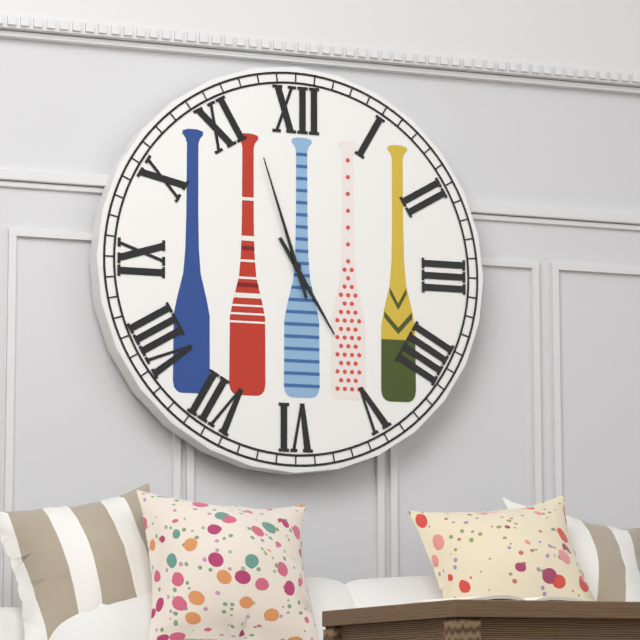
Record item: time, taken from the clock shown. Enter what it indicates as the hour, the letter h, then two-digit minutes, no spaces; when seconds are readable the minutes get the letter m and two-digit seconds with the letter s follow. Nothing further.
4h57
